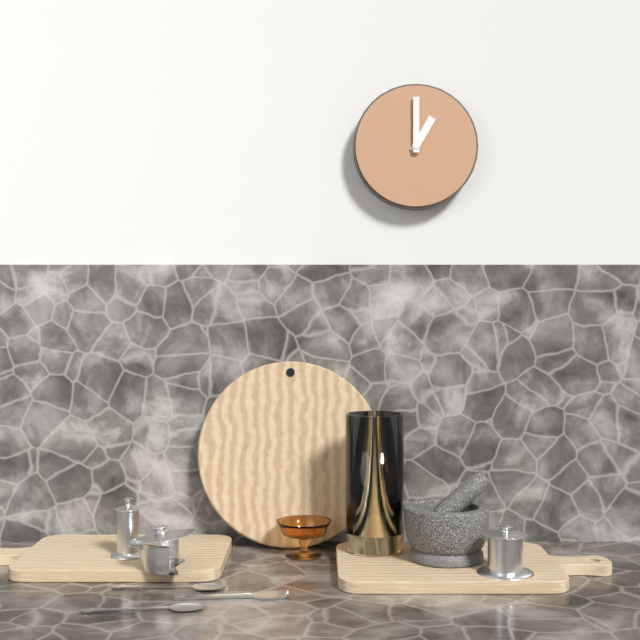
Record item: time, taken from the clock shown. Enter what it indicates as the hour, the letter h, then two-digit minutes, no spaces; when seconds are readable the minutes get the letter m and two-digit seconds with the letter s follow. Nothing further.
1h00
